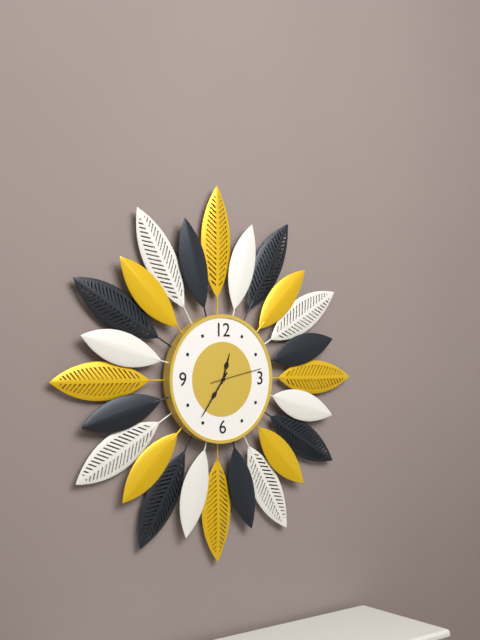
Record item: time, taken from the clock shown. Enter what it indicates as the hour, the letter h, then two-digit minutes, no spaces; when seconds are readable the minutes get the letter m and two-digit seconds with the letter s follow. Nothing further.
12h36
